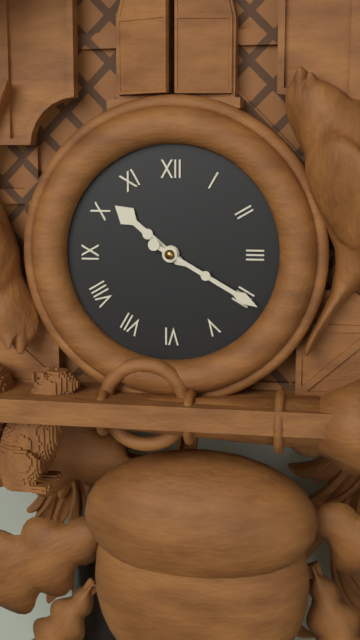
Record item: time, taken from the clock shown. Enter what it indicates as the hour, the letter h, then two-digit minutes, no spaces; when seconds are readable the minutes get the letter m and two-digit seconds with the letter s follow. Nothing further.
10h20
